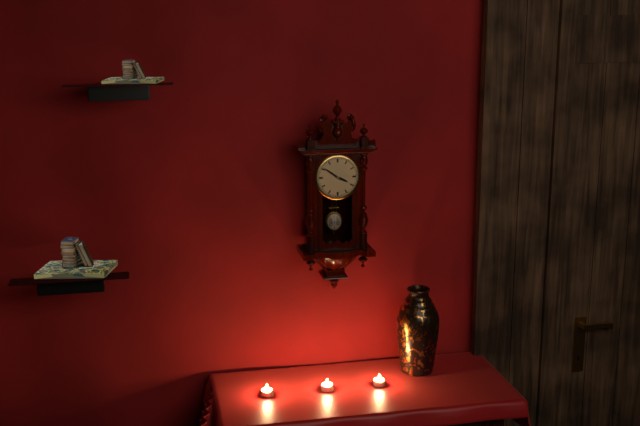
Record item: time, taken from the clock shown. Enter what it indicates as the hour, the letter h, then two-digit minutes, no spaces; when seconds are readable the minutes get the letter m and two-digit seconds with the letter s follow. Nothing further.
3h51
